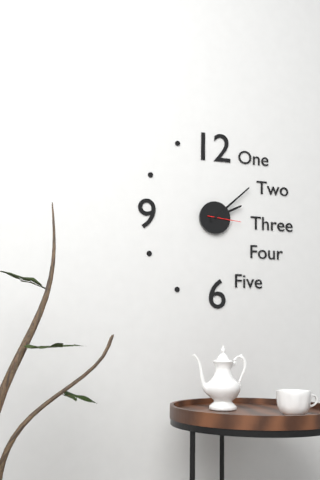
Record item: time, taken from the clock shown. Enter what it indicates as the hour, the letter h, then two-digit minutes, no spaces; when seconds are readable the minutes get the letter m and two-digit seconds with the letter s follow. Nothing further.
2h08
